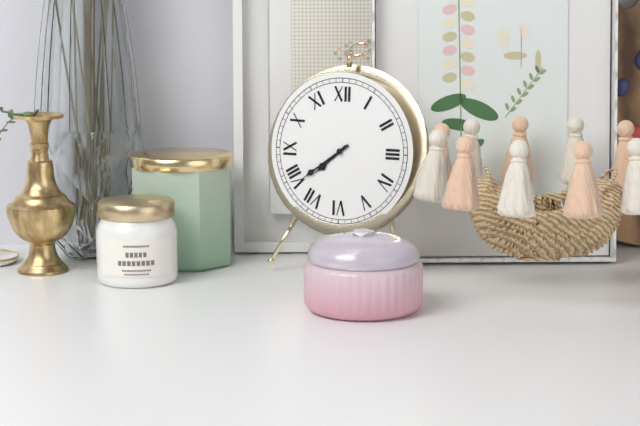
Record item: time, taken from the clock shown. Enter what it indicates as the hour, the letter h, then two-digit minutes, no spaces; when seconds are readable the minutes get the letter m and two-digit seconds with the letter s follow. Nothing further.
7h39
